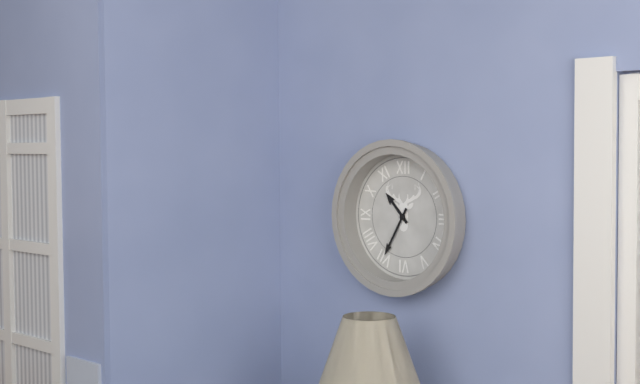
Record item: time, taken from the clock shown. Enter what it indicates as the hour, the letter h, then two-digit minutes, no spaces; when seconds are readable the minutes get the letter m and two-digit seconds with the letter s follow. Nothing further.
10h35
